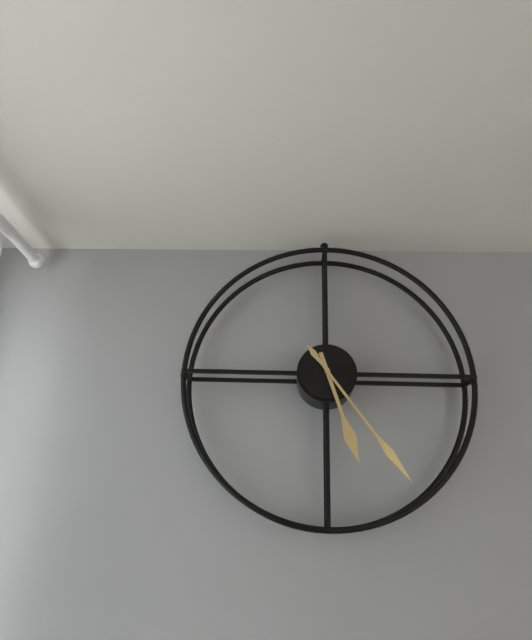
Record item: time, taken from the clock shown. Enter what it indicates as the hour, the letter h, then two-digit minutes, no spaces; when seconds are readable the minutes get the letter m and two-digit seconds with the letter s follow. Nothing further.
5h24
